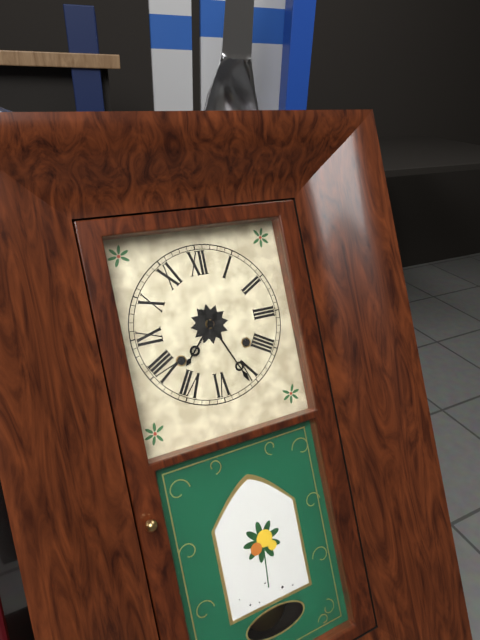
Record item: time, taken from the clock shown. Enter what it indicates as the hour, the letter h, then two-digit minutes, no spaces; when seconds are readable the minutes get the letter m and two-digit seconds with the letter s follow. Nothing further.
7h26
